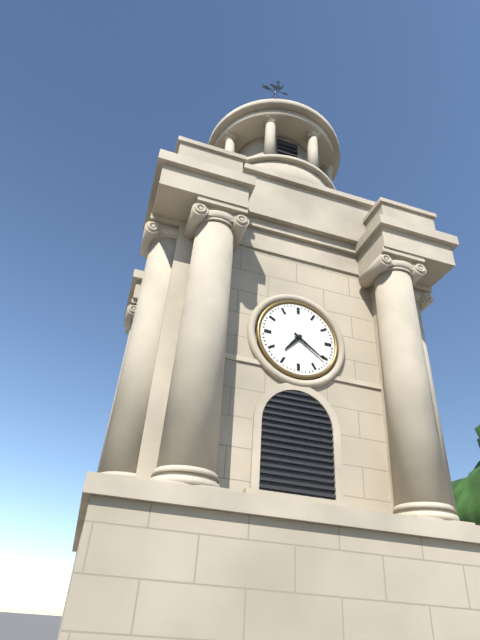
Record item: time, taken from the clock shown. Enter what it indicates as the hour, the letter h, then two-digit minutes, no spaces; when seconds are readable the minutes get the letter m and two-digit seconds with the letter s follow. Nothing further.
7h21
